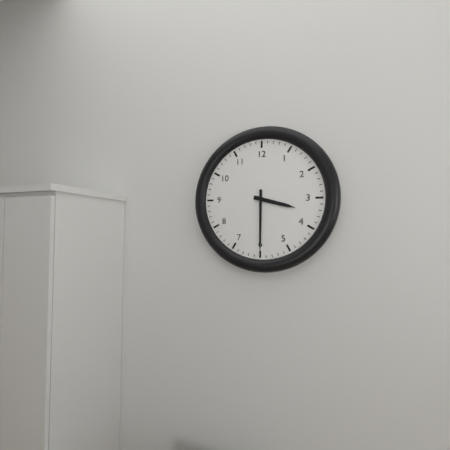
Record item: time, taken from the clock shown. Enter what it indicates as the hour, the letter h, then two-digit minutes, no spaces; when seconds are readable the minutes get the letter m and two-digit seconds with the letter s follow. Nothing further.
3h30
